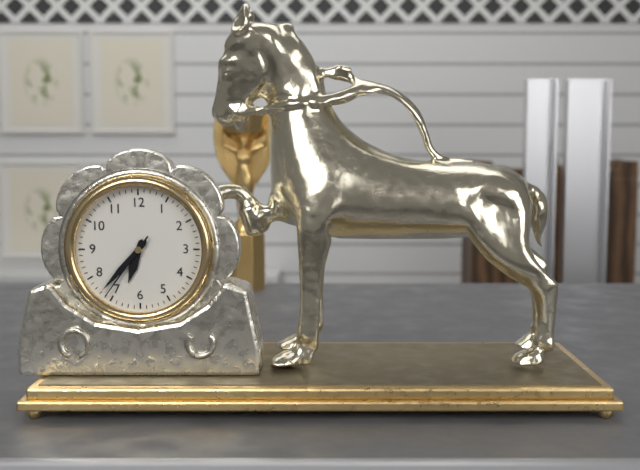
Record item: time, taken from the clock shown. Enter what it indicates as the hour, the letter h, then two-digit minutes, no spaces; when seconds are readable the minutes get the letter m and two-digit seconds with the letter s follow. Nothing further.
6h37m36s
